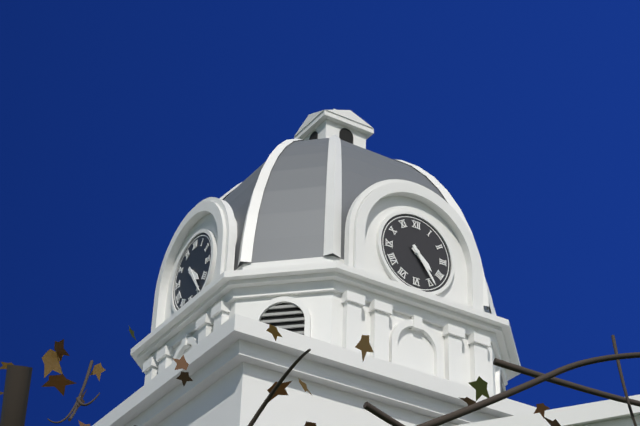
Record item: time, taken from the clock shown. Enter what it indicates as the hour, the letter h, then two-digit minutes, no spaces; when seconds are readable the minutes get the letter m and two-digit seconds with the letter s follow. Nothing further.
4h24
